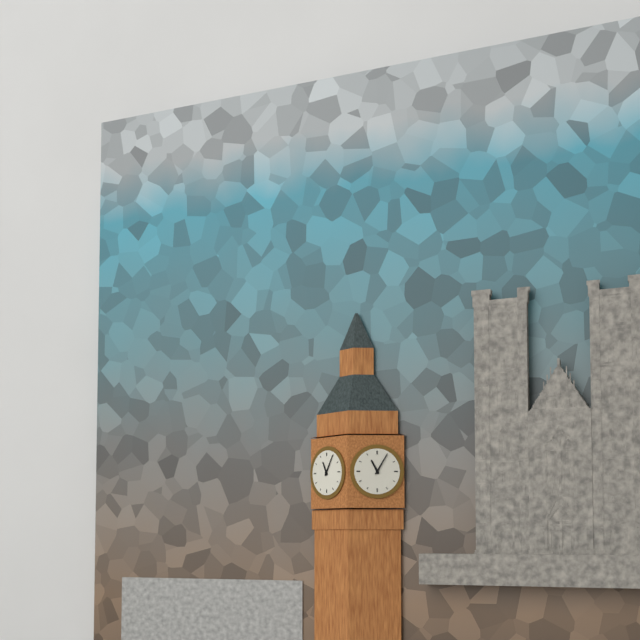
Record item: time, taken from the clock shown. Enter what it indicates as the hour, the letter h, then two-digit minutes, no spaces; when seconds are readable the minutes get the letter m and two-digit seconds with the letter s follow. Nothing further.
11h05
